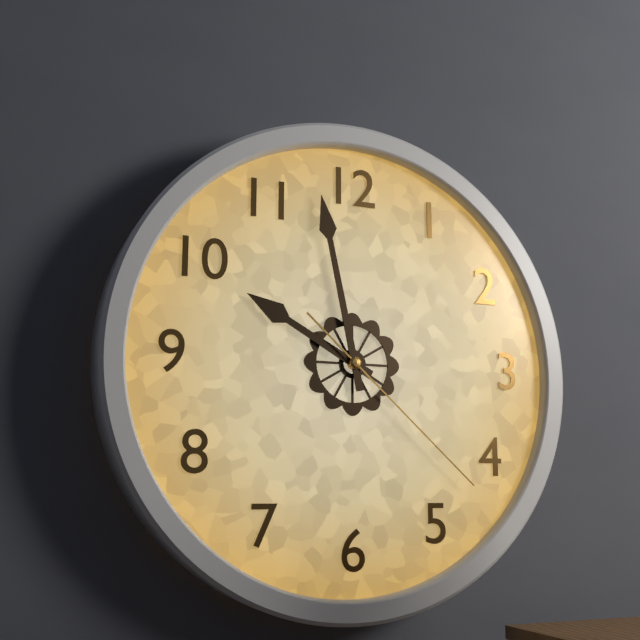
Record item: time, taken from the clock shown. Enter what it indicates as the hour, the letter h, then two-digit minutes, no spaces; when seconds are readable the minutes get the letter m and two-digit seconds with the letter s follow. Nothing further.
9h58m22s
